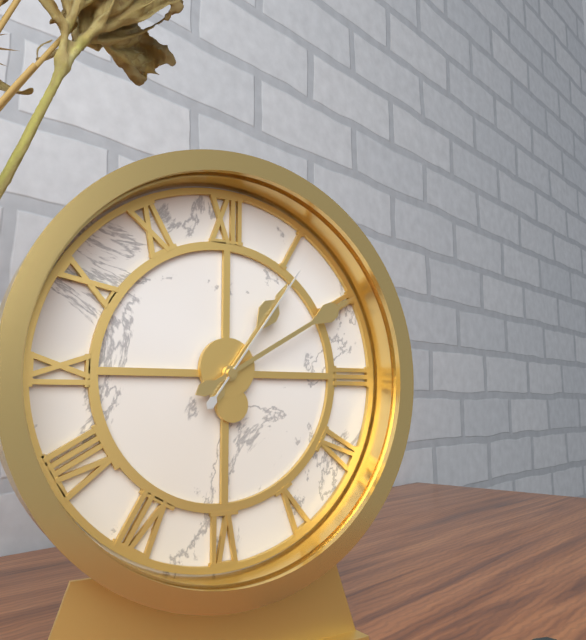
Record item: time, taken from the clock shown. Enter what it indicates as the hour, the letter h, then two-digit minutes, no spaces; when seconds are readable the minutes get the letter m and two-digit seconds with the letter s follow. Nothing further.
1h10m06s
